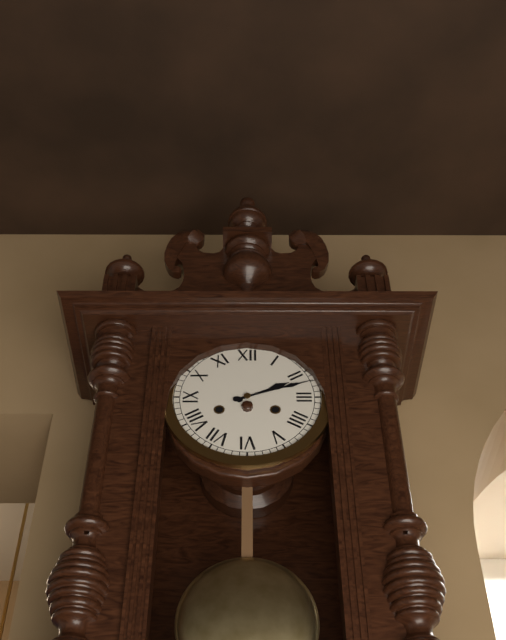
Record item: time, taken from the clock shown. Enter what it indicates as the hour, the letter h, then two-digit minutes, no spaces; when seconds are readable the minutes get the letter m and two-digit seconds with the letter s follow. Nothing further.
2h12
